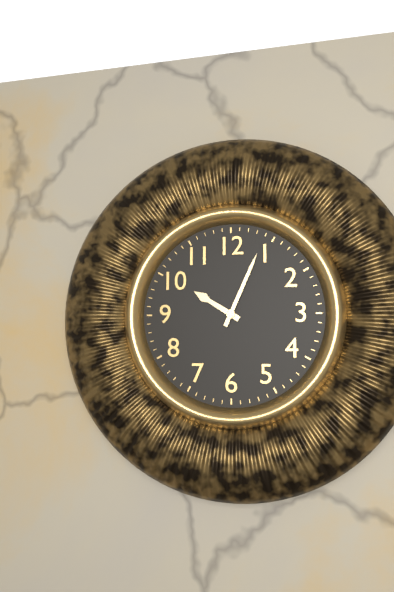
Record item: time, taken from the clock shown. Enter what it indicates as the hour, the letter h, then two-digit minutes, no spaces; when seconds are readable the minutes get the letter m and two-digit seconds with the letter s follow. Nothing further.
10h04
